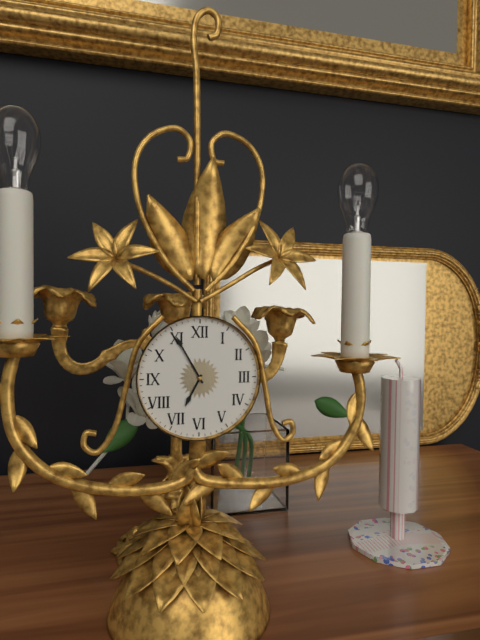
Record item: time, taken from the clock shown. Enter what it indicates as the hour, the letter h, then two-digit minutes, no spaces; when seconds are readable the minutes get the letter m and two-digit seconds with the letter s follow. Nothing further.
6h55
